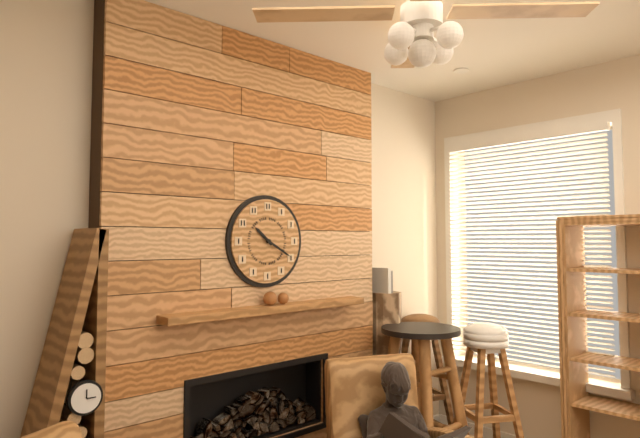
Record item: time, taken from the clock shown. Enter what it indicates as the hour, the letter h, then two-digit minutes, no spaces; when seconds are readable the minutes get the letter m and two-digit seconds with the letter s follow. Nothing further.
10h20
